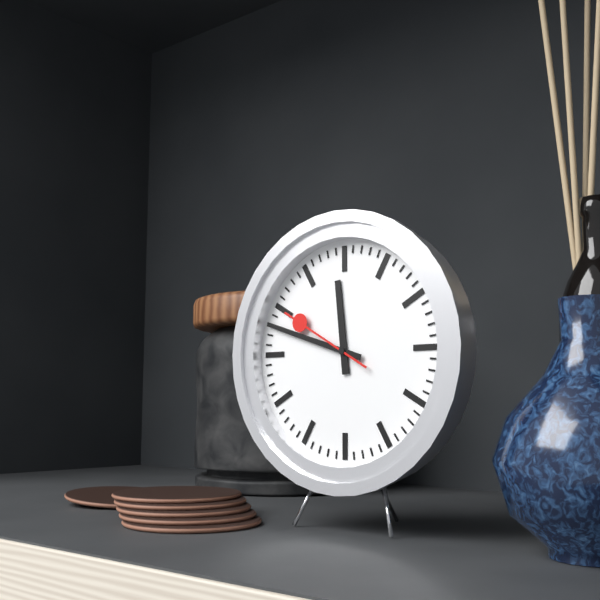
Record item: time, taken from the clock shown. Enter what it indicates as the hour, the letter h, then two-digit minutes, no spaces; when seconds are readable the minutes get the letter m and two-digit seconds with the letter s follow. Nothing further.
11h48m50s
